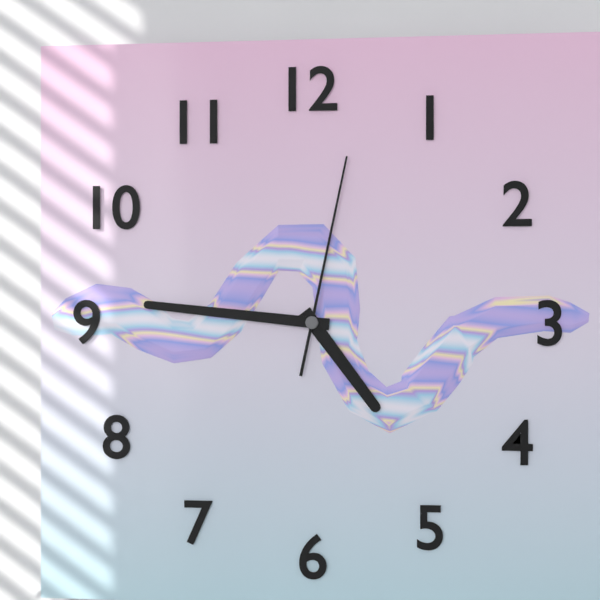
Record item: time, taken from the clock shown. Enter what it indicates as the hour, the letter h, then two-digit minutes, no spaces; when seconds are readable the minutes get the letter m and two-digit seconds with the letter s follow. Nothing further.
4h46m02s
